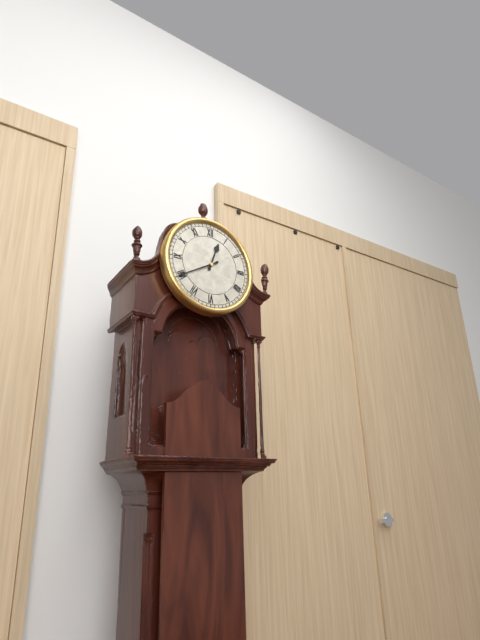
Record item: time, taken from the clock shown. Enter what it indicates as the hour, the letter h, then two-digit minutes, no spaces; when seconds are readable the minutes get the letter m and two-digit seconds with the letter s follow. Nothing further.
12h40
